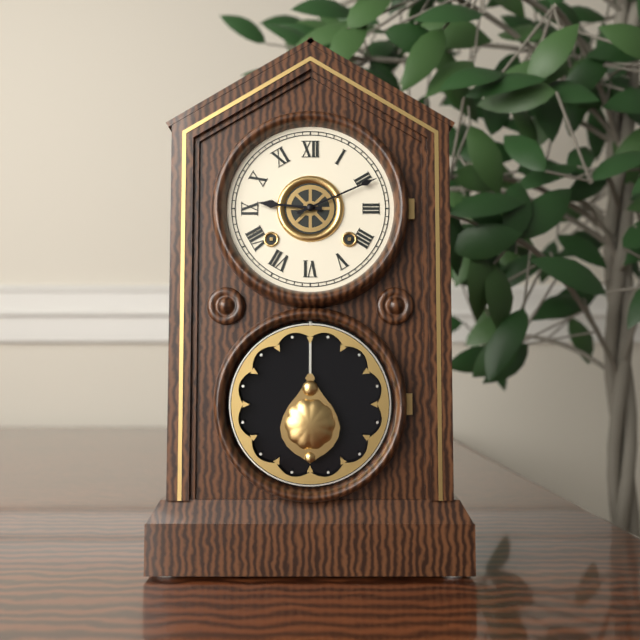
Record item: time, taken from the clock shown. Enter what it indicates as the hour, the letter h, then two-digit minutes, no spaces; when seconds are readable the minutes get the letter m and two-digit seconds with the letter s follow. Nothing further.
9h11
